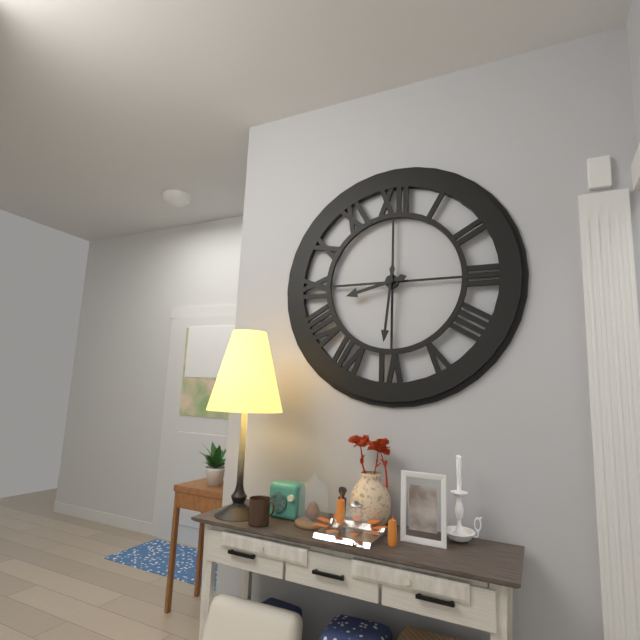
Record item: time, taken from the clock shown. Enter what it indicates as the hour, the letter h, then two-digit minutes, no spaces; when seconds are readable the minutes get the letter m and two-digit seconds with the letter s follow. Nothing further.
8h31
